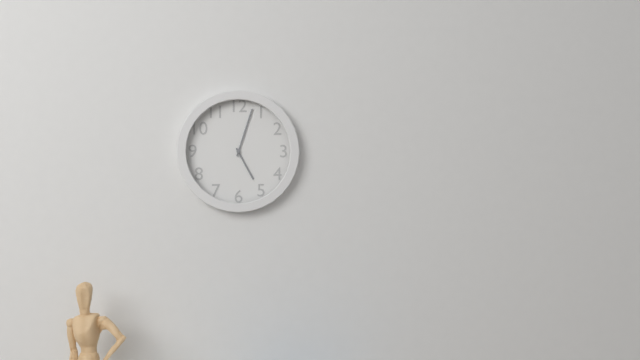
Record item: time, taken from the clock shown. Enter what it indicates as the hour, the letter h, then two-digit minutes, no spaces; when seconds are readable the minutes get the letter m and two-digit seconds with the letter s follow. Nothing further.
5h03
